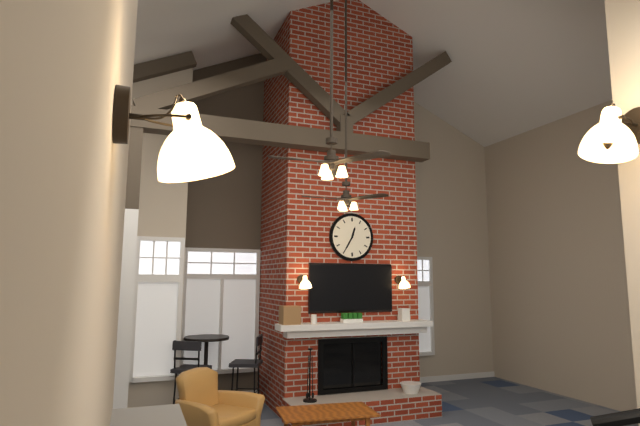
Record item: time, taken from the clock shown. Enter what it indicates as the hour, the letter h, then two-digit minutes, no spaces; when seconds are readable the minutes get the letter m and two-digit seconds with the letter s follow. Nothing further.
12h35
